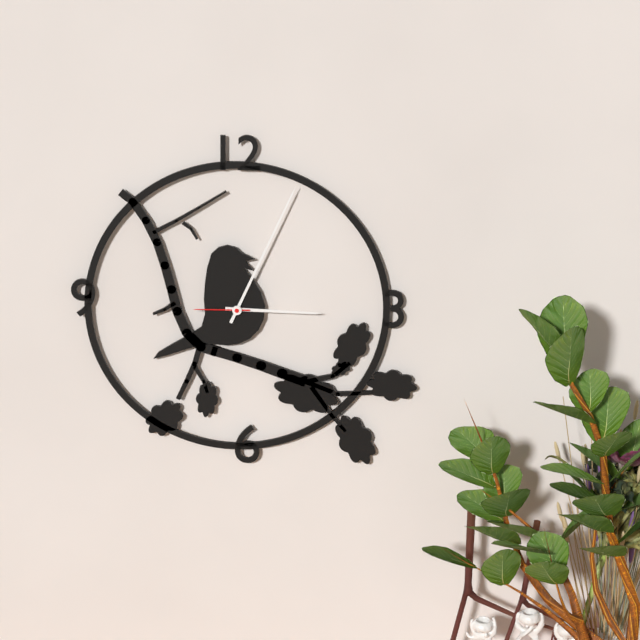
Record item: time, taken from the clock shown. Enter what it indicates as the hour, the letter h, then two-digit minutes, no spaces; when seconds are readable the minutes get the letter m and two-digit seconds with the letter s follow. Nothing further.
3h04m45s
